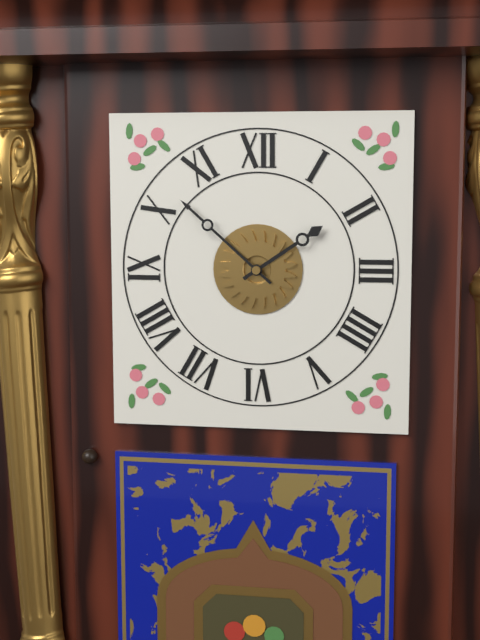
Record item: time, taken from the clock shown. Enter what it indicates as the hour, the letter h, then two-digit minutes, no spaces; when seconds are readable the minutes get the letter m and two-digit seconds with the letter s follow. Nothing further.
1h52
